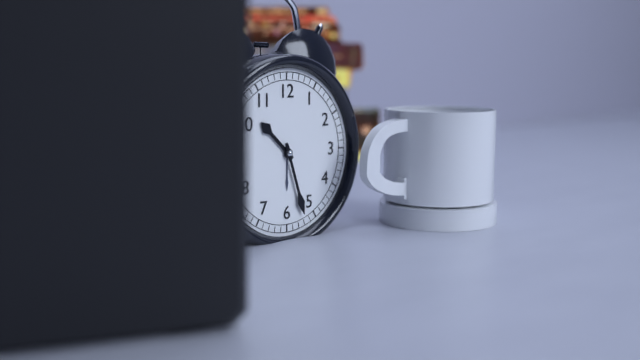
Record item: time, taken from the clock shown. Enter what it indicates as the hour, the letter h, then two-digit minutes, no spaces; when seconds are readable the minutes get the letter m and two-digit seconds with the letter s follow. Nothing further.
10h27
